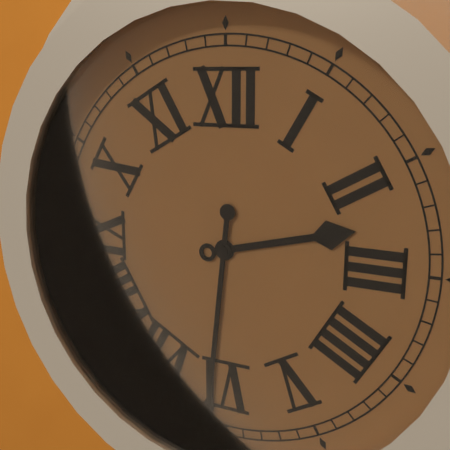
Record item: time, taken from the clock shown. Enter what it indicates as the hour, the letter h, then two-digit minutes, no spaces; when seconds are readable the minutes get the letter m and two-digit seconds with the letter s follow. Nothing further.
2h31
